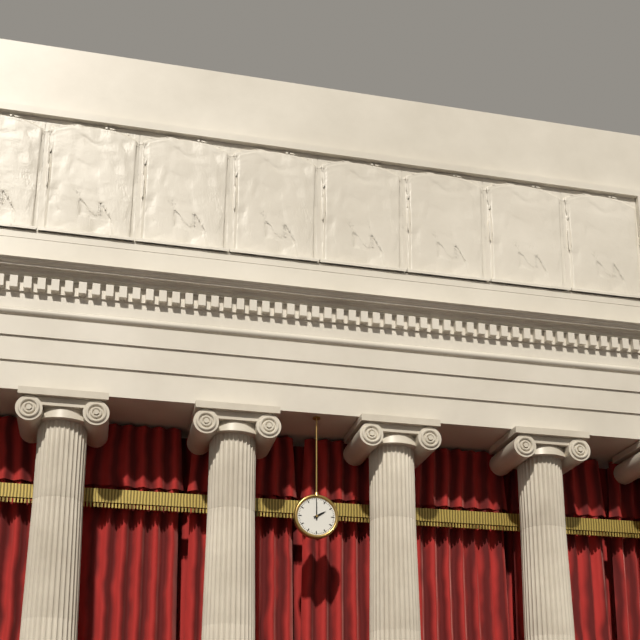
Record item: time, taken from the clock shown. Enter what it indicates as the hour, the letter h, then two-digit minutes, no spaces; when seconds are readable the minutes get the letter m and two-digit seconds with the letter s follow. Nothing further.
2h00
